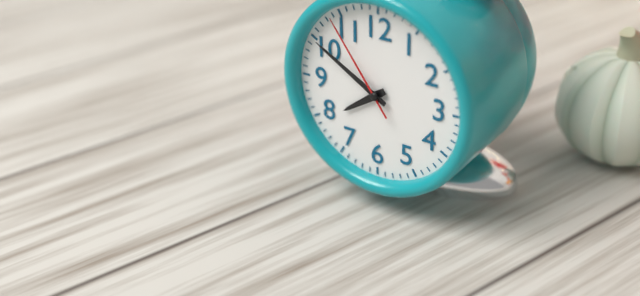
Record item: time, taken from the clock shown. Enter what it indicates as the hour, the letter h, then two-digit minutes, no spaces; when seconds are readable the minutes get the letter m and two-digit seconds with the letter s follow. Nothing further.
7h50m54s
